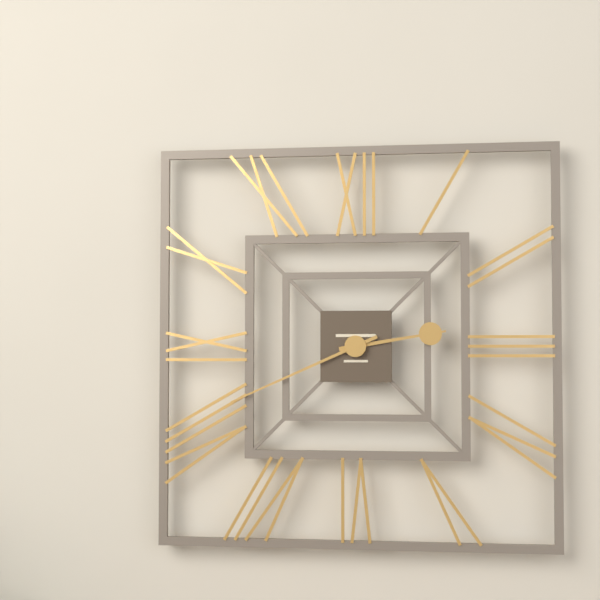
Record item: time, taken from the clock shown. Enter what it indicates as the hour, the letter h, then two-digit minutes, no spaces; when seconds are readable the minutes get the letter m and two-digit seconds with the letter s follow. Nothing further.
2h41
